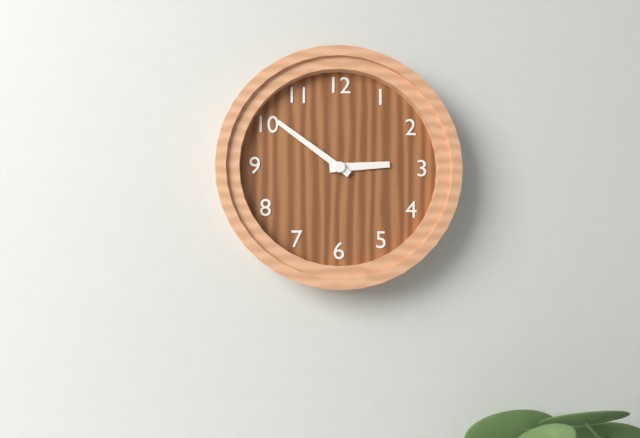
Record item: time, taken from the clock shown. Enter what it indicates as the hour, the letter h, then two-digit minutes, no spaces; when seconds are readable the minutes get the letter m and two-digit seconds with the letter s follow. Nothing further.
2h51
